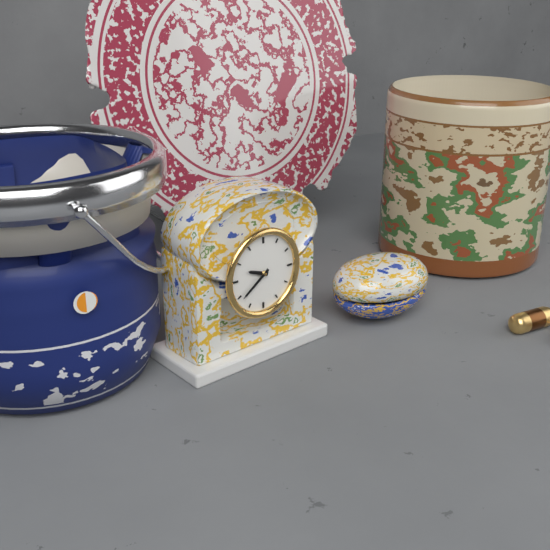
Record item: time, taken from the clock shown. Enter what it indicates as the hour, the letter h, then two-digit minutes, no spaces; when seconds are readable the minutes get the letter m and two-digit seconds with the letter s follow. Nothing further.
9h39
